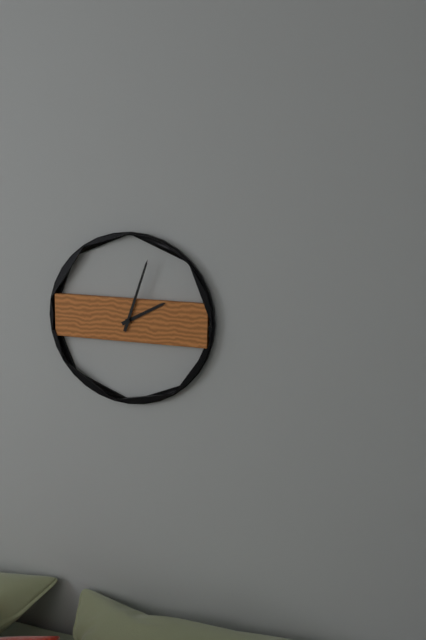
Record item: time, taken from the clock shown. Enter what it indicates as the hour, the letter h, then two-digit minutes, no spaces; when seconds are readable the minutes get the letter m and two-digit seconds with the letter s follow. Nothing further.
2h03
